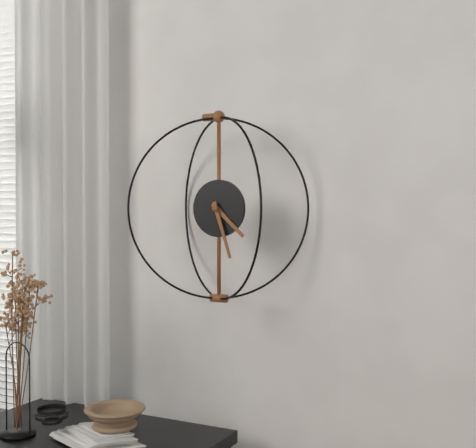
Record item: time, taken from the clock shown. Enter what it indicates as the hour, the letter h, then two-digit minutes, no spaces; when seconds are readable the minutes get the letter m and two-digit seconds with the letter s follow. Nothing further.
4h27
